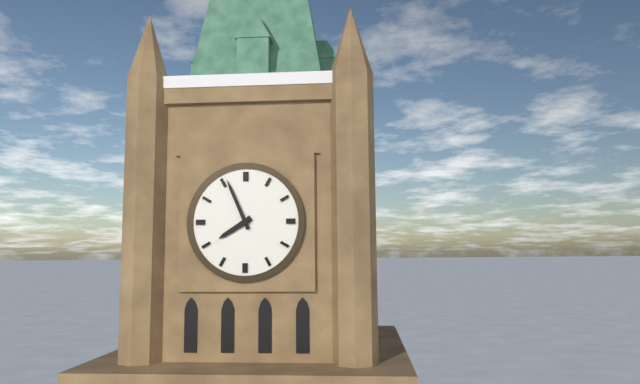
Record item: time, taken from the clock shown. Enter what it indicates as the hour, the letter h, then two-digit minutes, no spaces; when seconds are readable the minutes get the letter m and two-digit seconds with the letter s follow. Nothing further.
7h56
